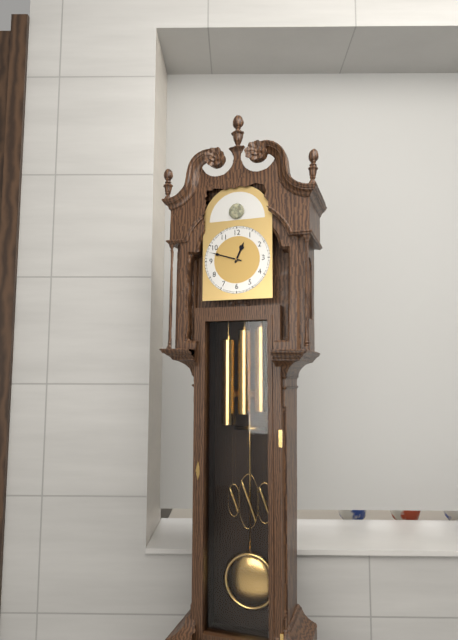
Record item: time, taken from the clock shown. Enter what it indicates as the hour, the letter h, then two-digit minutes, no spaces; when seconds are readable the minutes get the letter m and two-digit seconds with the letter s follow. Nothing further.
12h48
